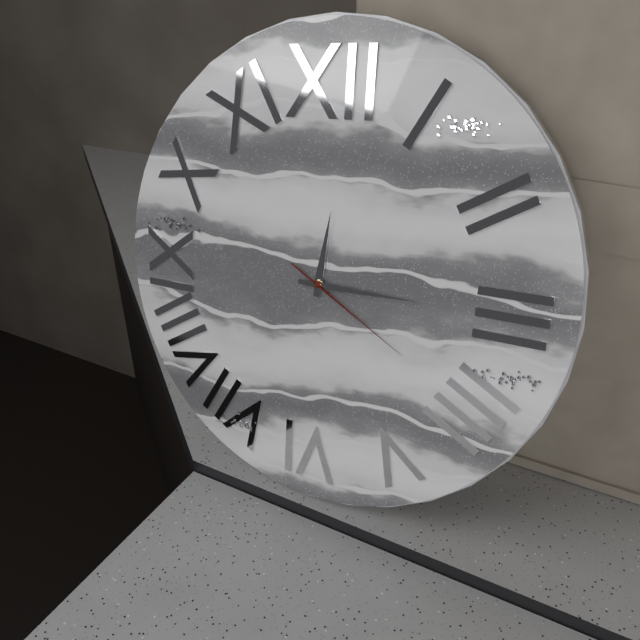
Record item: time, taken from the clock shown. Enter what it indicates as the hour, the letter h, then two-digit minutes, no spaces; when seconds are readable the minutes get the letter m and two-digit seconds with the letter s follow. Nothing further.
12h15m20s
